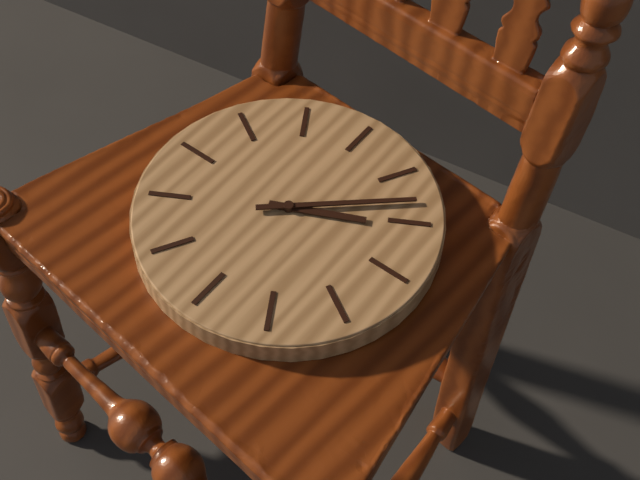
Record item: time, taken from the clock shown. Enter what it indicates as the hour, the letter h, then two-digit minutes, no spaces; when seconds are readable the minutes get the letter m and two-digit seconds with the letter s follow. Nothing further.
2h08
